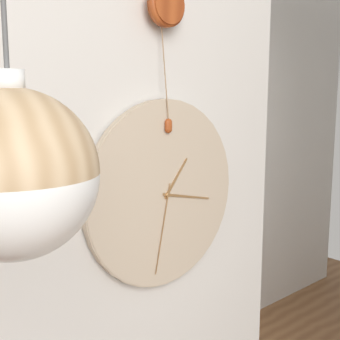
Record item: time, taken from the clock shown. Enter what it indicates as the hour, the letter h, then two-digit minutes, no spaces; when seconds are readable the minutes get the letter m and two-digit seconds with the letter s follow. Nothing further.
1h17m32s
